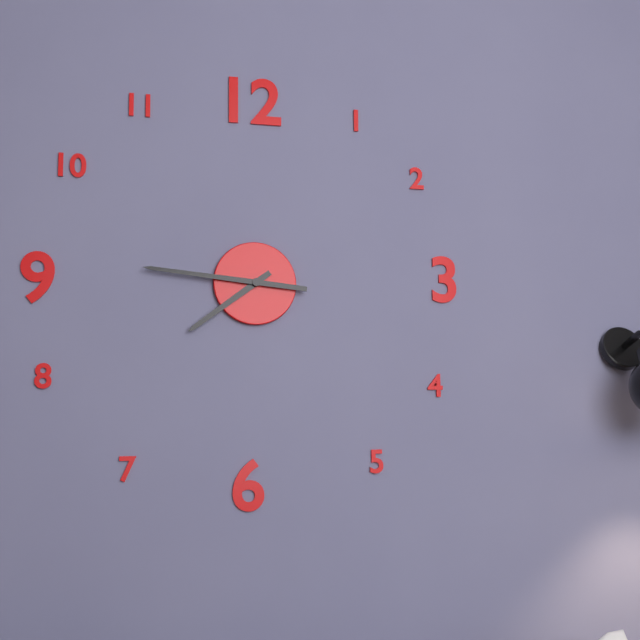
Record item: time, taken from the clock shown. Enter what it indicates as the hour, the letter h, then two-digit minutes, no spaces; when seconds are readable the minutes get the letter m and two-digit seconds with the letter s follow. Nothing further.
7h46
